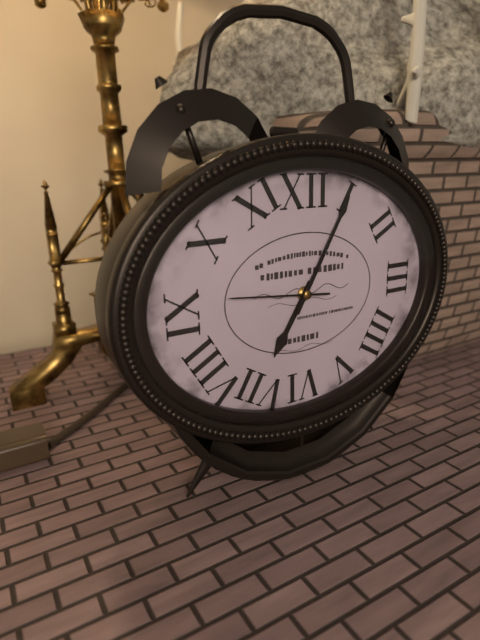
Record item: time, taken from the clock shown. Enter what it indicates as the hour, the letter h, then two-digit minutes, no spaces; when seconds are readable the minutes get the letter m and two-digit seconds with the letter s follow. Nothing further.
7h05m46s
